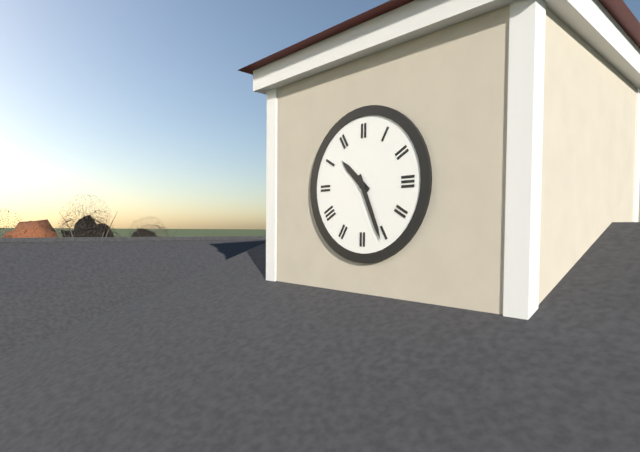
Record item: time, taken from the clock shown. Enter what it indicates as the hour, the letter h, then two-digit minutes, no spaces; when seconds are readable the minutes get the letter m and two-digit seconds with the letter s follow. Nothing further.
10h26
